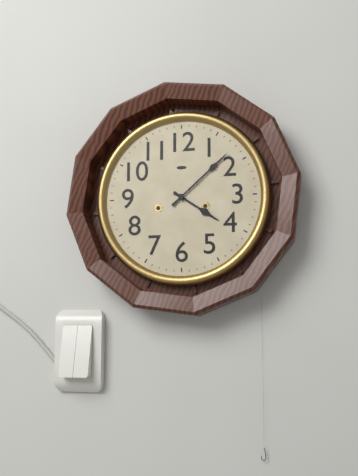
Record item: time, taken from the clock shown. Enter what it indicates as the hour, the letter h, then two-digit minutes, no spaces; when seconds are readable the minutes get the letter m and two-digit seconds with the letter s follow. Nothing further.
4h08
